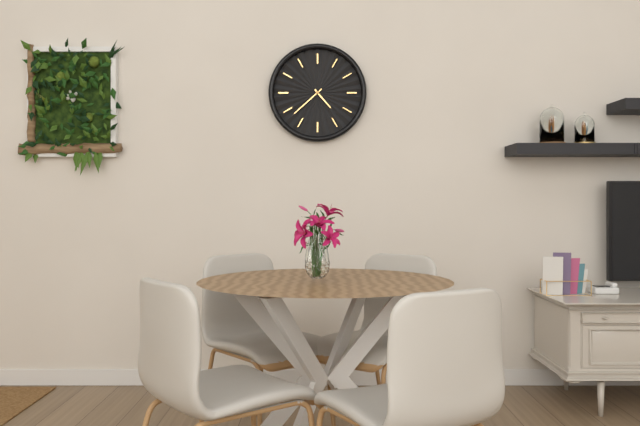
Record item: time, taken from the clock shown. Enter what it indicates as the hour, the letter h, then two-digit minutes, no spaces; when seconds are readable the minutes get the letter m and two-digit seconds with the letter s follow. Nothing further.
4h38
